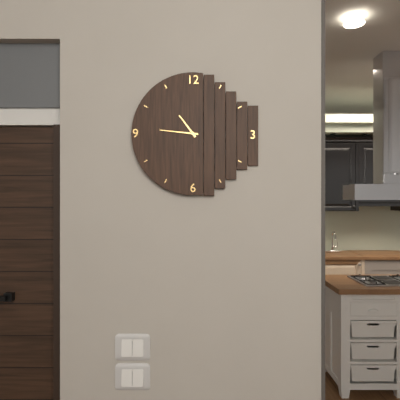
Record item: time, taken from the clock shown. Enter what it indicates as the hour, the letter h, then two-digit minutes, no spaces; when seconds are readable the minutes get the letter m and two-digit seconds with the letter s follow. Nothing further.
10h46
